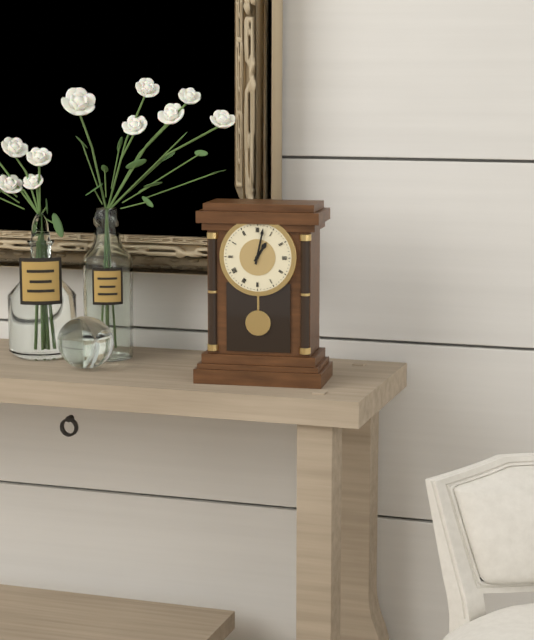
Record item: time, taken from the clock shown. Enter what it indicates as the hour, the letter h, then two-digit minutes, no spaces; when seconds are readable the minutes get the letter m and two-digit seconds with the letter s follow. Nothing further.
1h02
